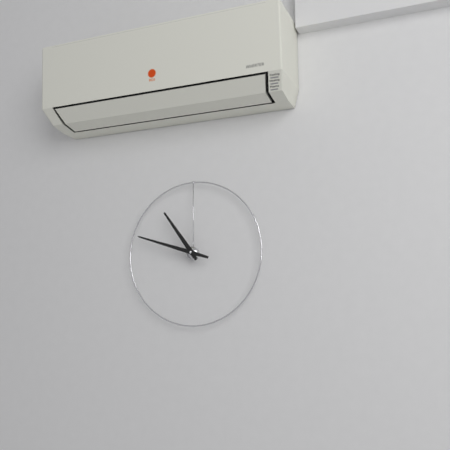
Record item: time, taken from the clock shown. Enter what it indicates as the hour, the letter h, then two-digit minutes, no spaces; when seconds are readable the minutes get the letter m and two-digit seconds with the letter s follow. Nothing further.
10h48
